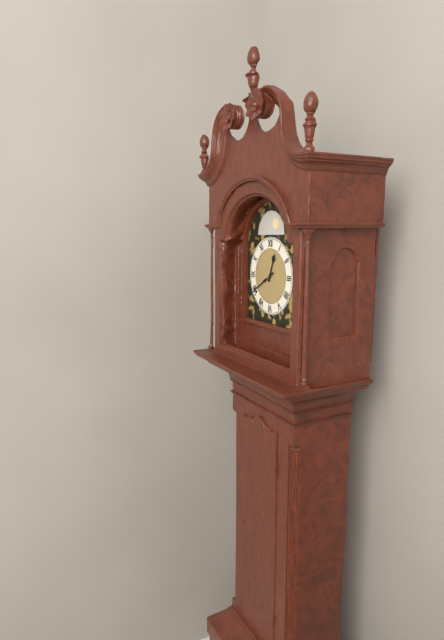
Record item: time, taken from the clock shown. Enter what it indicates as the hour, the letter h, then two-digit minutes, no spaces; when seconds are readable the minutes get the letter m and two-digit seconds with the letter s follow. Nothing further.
12h40
